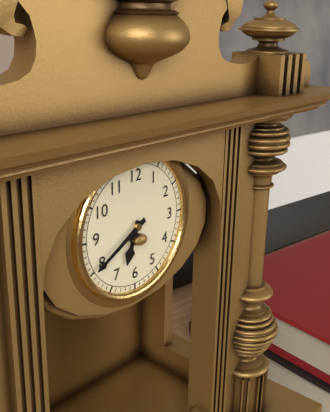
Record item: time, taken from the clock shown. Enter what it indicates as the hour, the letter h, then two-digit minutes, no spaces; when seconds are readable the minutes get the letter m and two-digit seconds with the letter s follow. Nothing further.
6h40
